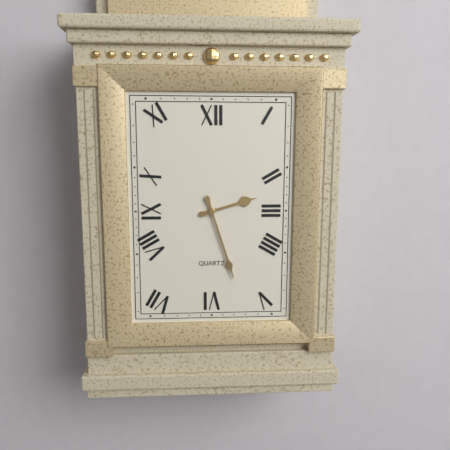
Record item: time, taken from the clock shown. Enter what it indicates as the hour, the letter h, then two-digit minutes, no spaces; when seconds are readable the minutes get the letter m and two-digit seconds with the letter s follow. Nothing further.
2h27
